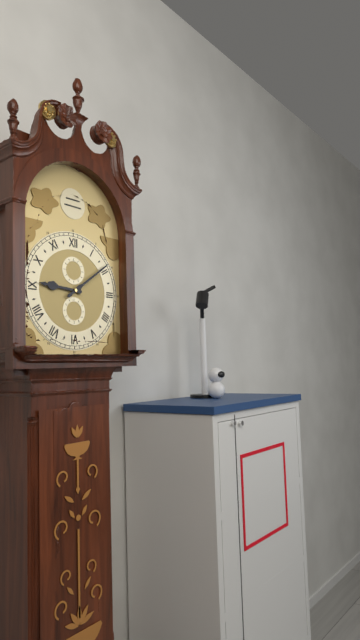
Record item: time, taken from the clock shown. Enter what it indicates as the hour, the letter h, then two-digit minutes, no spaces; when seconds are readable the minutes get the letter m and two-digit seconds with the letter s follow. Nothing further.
9h09
